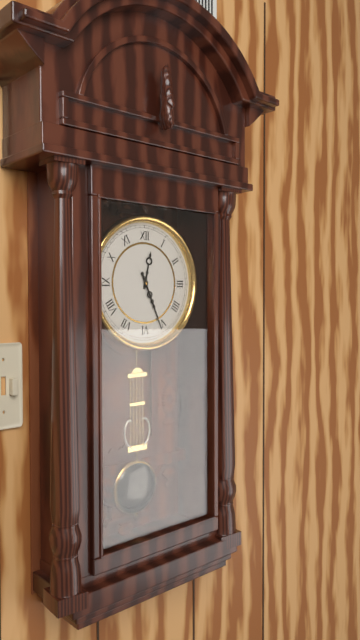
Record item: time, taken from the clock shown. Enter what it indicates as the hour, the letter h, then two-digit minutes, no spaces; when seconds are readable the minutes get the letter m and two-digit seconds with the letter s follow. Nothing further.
12h26
